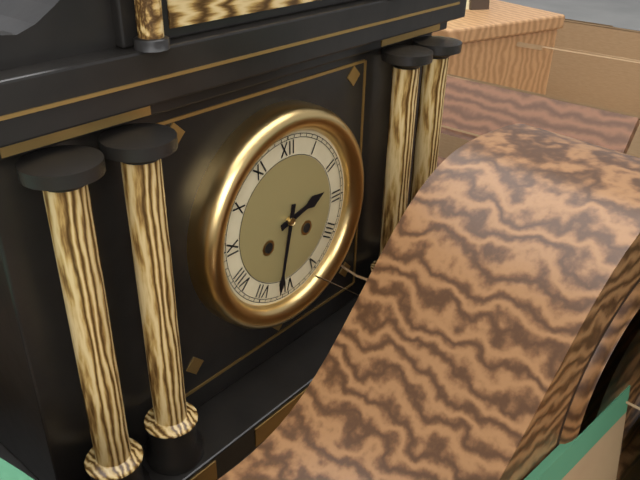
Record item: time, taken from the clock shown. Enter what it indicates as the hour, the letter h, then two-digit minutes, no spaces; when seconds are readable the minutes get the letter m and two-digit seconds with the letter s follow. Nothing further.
2h32
